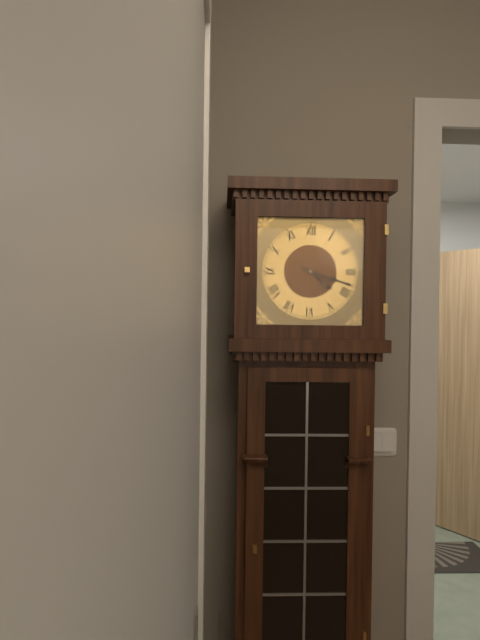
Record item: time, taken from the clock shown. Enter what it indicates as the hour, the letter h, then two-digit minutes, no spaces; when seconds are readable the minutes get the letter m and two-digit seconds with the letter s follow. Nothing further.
4h18
